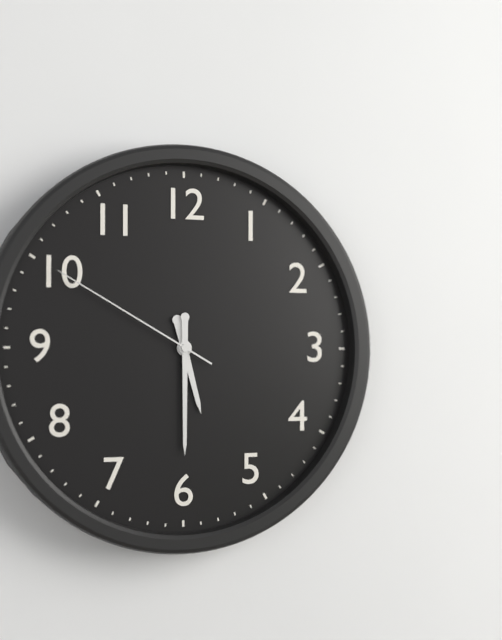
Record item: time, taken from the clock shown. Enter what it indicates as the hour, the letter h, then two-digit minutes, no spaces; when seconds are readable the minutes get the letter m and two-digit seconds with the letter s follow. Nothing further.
5h30m50s
